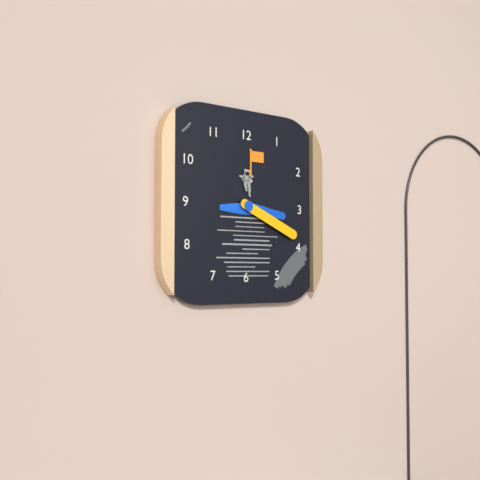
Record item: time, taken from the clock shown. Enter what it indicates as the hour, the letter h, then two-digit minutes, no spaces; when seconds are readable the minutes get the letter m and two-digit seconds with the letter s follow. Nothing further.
3h19
